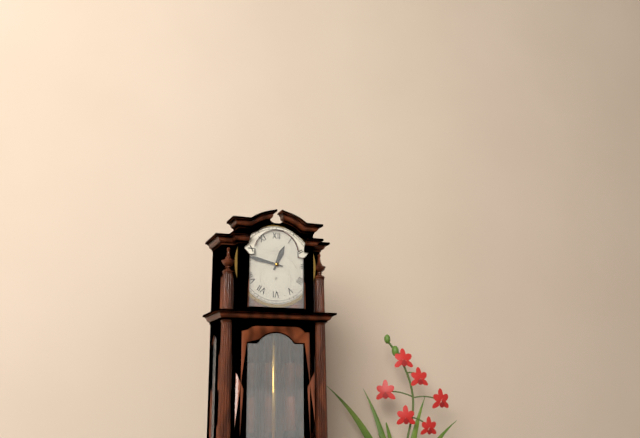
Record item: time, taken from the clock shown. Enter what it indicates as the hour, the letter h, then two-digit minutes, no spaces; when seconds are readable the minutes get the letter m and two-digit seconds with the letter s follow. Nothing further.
12h47
